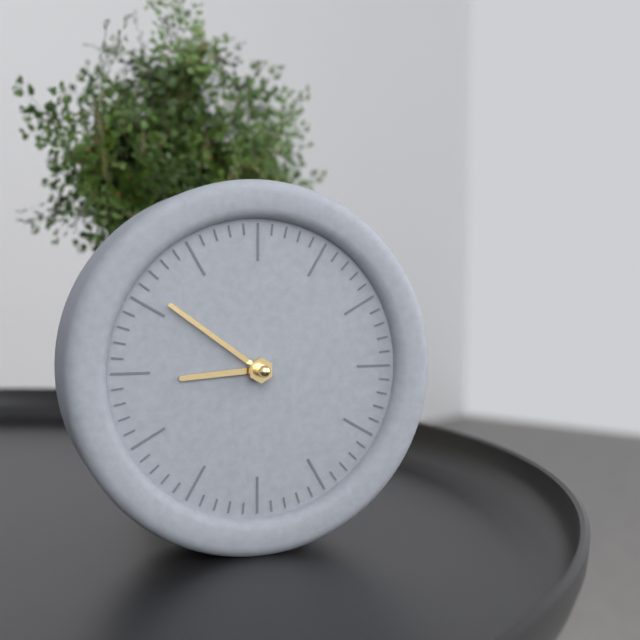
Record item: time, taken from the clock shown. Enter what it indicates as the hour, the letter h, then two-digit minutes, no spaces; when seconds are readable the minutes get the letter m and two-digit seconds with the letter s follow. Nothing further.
8h51
